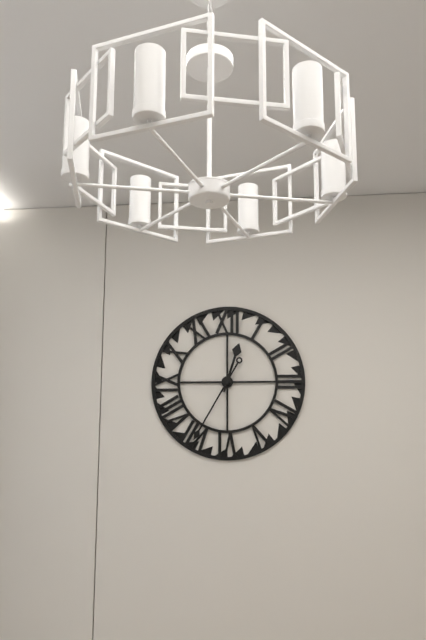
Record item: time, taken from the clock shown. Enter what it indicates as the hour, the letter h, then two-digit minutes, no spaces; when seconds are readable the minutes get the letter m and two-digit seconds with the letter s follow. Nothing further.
12h35
